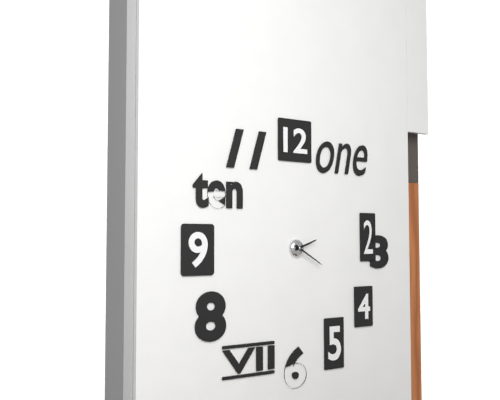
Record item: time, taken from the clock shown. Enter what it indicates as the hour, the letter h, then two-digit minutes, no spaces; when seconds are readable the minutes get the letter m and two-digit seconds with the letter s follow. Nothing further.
2h20
